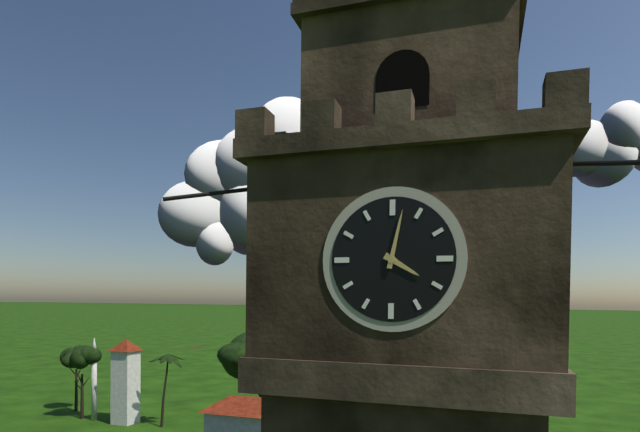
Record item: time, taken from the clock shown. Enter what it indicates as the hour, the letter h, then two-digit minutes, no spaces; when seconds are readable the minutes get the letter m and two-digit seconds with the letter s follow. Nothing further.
4h02
